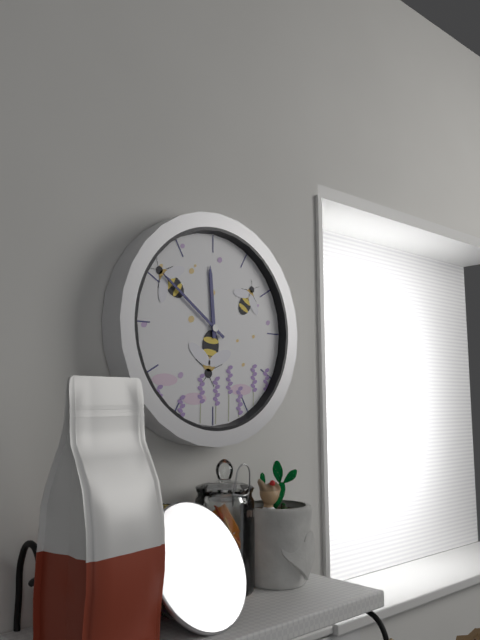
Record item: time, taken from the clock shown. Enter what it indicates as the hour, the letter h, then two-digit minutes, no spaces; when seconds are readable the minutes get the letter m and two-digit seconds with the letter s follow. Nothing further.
11h51
